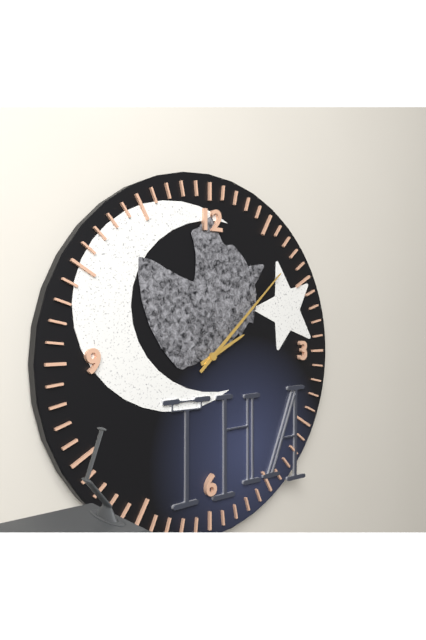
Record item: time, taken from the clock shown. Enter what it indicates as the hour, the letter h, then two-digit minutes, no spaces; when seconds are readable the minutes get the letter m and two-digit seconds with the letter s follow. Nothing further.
2h08
